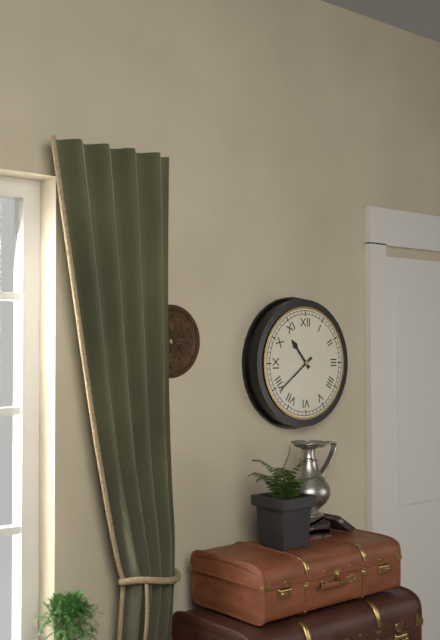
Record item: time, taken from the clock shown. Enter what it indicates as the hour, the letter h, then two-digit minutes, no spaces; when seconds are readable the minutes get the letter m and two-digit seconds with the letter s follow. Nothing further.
10h39
